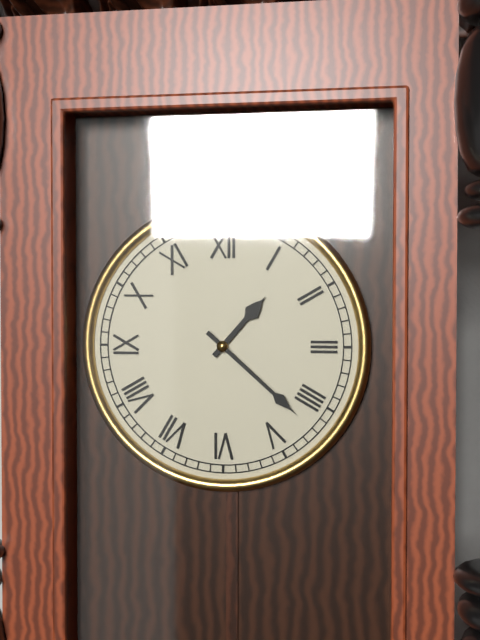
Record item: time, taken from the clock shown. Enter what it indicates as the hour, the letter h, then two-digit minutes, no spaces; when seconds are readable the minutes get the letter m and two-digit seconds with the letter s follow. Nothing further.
1h22
